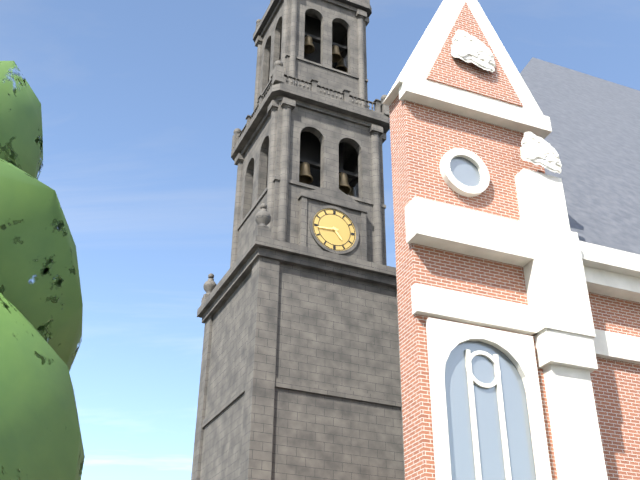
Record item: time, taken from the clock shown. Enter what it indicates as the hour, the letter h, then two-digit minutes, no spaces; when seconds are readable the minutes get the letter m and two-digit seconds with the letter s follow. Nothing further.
4h44
